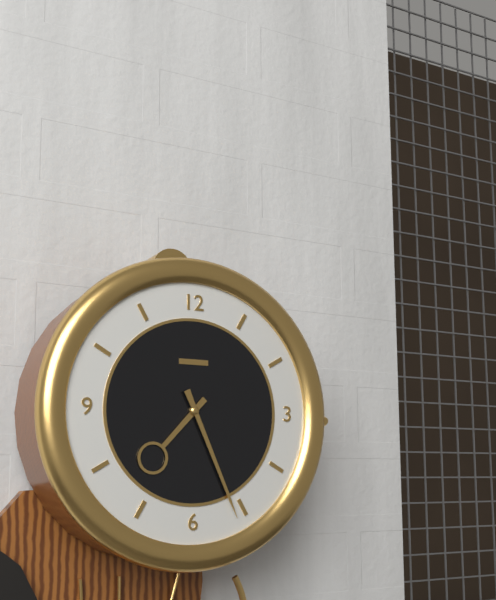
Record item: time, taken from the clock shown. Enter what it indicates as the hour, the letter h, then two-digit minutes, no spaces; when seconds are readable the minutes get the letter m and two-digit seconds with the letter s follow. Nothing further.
7h26
